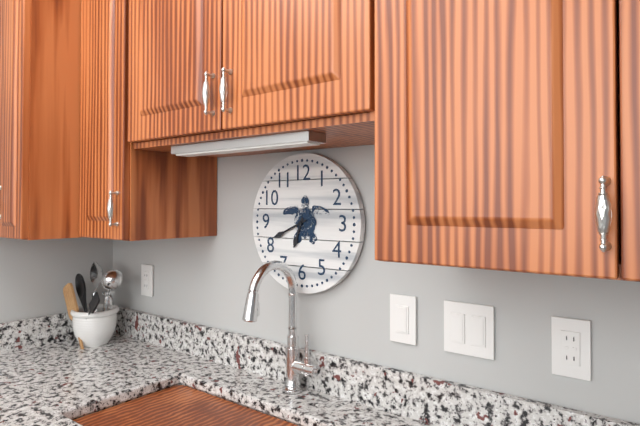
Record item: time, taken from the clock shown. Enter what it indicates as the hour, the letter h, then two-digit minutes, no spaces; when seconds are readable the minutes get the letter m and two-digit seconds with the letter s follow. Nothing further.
6h41
